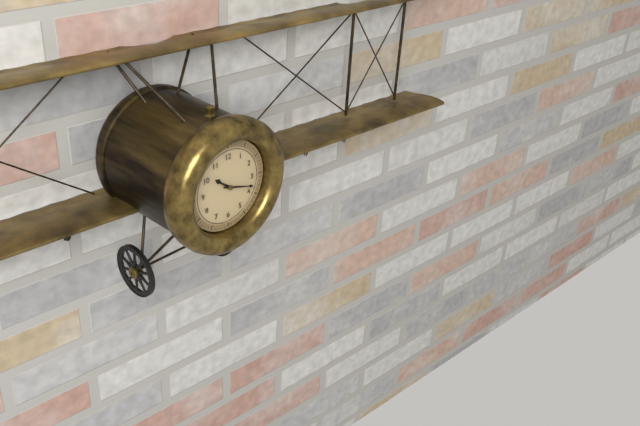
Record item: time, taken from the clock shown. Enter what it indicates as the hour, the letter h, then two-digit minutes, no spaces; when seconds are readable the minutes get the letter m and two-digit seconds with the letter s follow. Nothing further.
10h18
